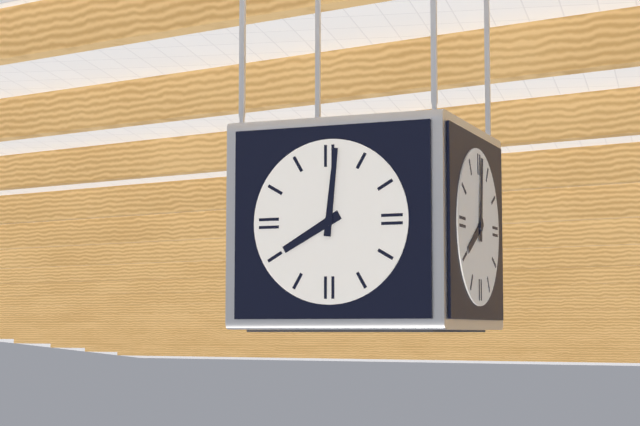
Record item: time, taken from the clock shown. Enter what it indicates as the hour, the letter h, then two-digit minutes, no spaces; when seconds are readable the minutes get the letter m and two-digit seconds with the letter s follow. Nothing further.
8h01
